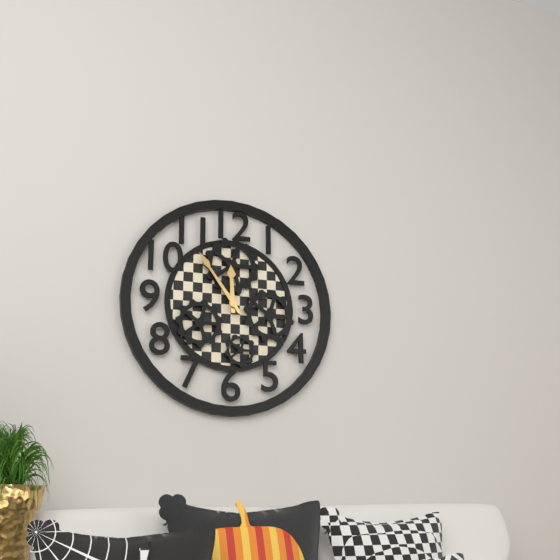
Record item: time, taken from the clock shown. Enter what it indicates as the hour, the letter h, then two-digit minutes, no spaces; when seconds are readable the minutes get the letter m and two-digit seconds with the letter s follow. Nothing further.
11h54
